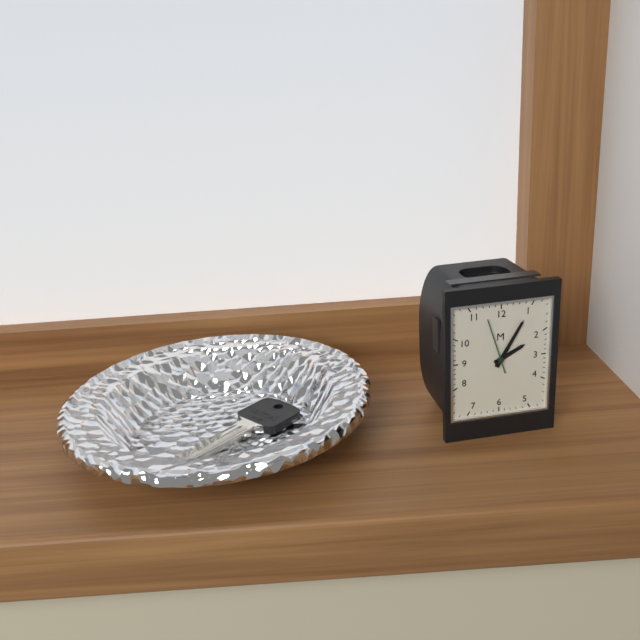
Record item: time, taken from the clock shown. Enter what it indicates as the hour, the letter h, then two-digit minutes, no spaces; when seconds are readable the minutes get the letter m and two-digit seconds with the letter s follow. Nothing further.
2h05m57s
